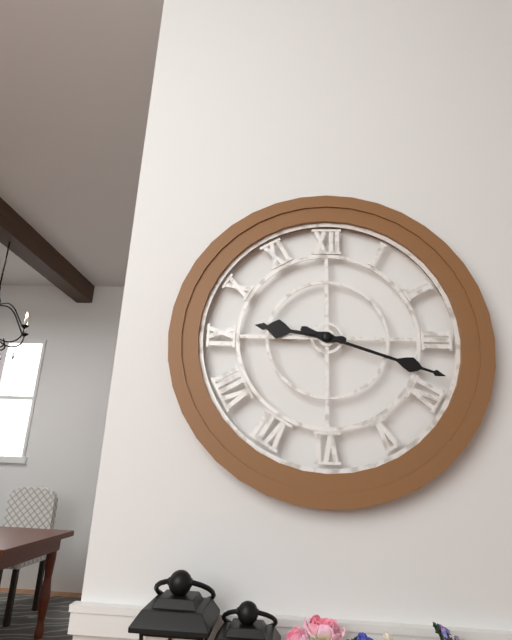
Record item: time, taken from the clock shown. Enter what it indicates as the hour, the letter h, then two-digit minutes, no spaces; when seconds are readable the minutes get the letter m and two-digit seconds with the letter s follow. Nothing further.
9h18
